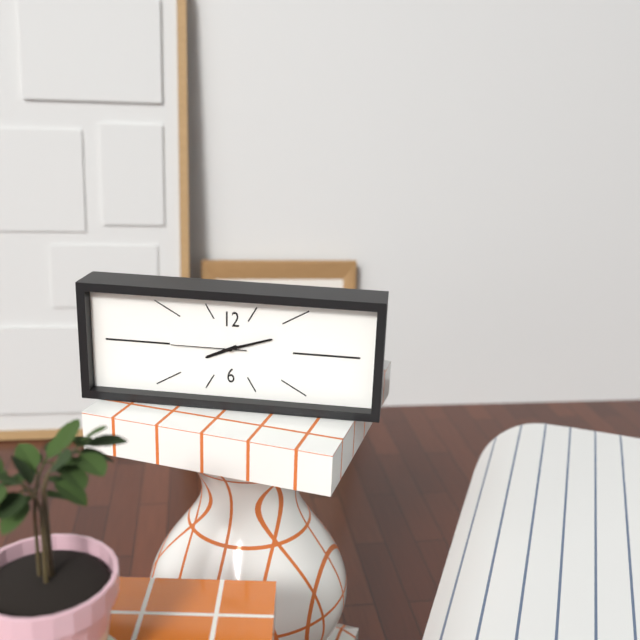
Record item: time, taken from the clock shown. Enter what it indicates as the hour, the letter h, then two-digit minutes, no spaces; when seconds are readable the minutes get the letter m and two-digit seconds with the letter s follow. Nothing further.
8h12m45s
